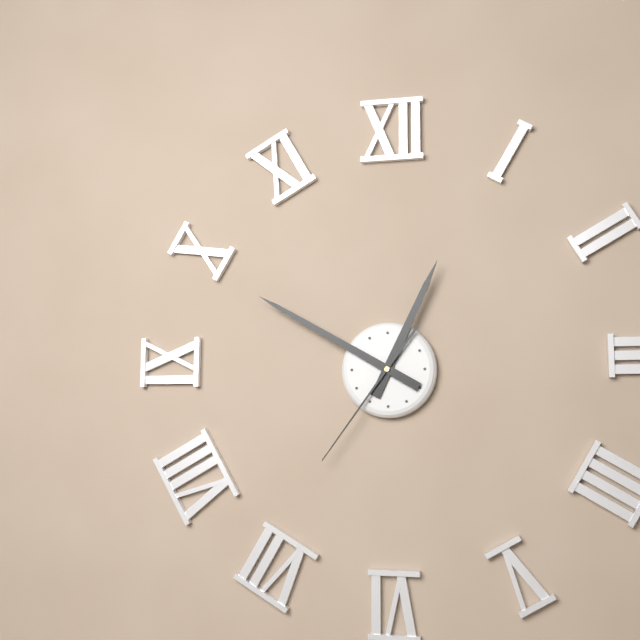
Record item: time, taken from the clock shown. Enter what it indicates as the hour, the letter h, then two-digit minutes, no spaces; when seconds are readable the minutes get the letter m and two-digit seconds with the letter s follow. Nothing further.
12h50m36s
